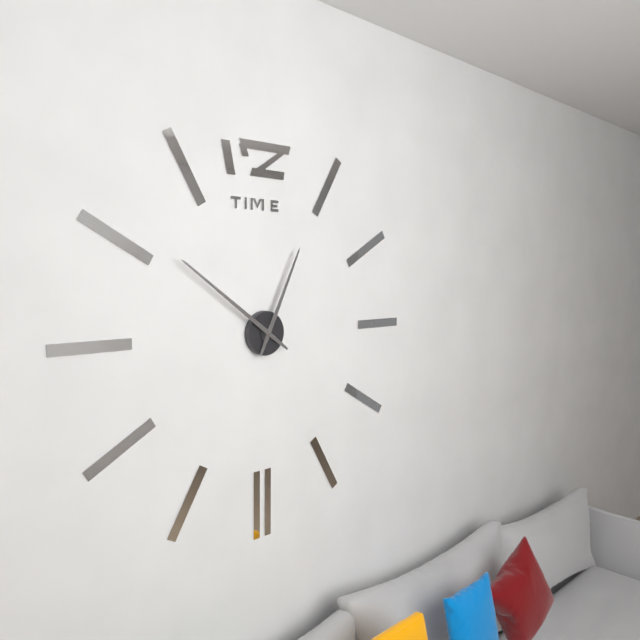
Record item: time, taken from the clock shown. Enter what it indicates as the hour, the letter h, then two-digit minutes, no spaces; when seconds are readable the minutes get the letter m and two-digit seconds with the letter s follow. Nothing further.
12h51
